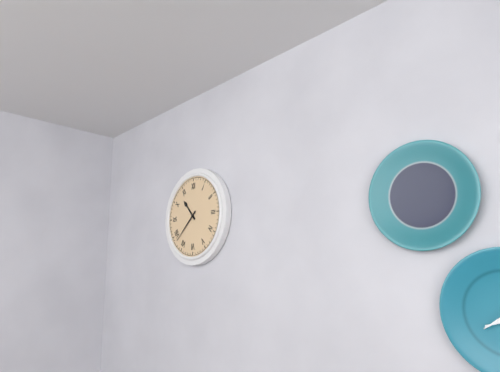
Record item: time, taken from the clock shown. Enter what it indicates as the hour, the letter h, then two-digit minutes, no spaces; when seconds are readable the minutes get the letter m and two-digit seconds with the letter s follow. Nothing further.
10h38
